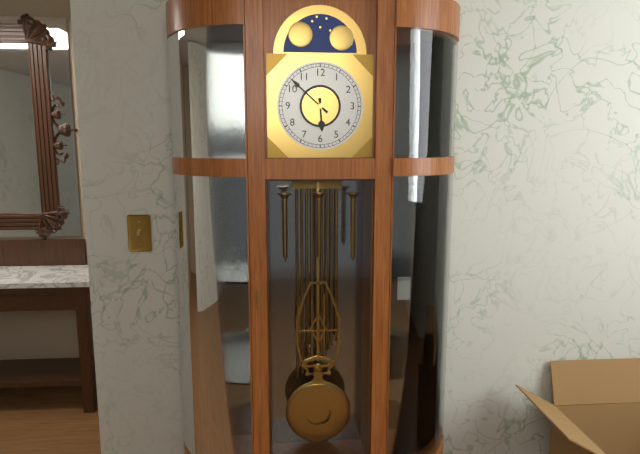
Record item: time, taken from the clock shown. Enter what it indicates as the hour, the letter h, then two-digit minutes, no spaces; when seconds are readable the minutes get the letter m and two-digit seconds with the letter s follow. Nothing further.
5h52
